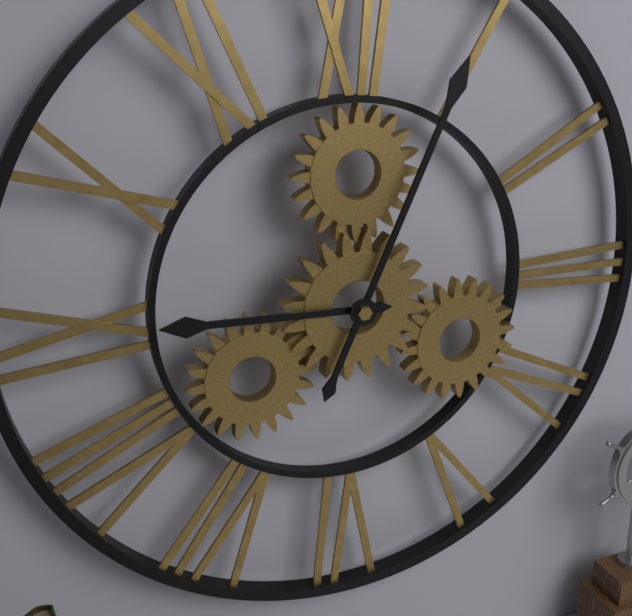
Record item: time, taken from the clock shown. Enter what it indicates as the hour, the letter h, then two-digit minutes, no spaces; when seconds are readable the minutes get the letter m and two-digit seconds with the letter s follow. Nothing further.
9h04
